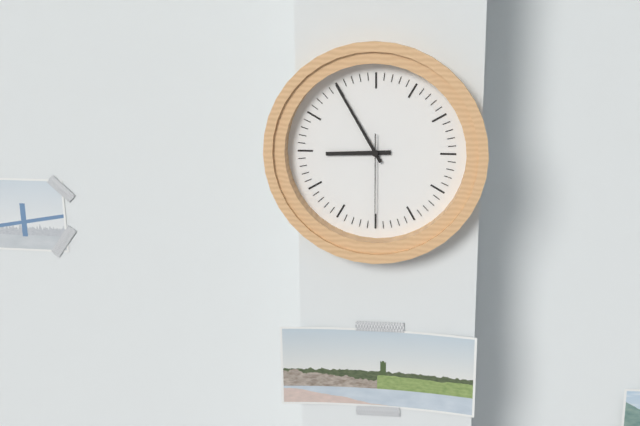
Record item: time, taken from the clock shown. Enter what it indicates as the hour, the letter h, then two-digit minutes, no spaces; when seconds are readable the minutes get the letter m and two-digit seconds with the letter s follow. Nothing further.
8h55m30s
